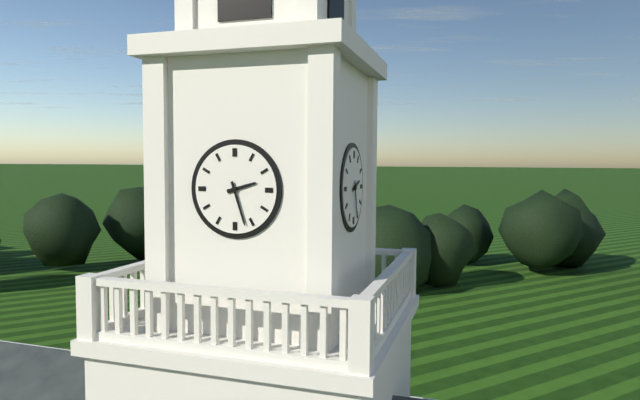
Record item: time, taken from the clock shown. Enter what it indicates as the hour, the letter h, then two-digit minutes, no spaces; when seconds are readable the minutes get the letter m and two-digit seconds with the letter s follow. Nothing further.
2h27
